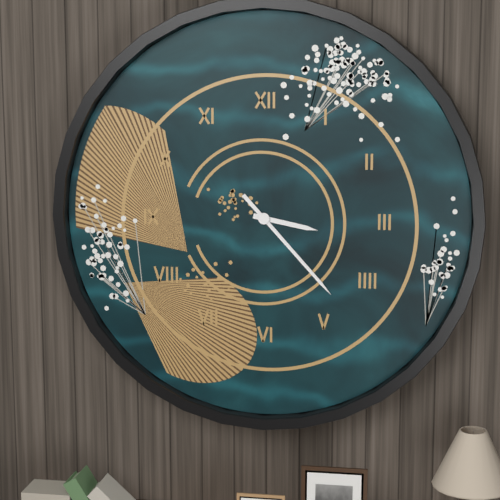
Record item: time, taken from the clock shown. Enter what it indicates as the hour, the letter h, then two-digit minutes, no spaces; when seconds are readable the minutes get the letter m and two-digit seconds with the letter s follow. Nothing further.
3h23
